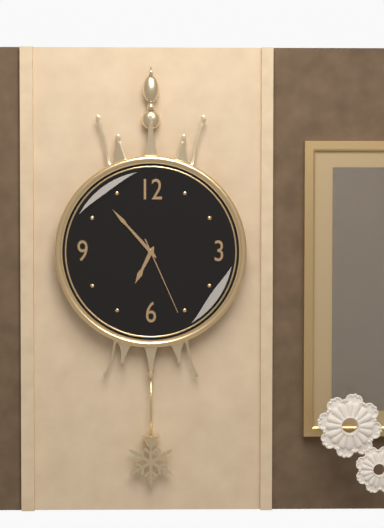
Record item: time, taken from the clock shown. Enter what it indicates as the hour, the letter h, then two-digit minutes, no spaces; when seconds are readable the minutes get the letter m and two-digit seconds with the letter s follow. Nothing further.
6h53m26s
